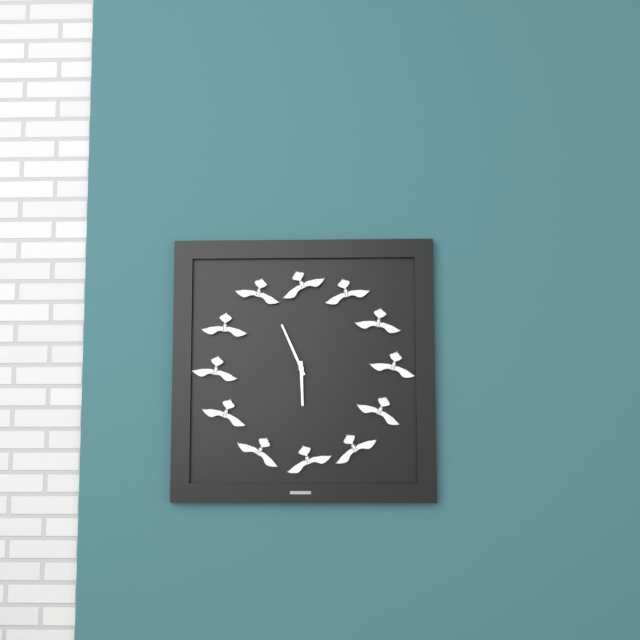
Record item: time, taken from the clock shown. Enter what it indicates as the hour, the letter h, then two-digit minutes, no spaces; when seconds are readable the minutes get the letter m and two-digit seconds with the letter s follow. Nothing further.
5h56
